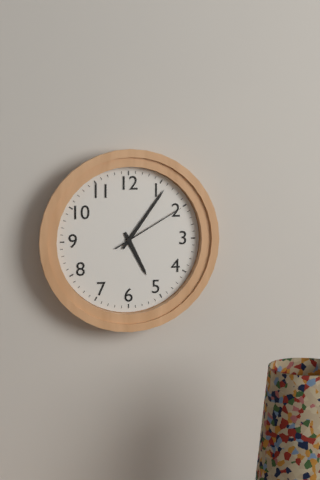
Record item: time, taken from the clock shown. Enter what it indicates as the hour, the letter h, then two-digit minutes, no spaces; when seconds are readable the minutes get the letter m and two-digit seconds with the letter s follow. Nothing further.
5h06m10s
